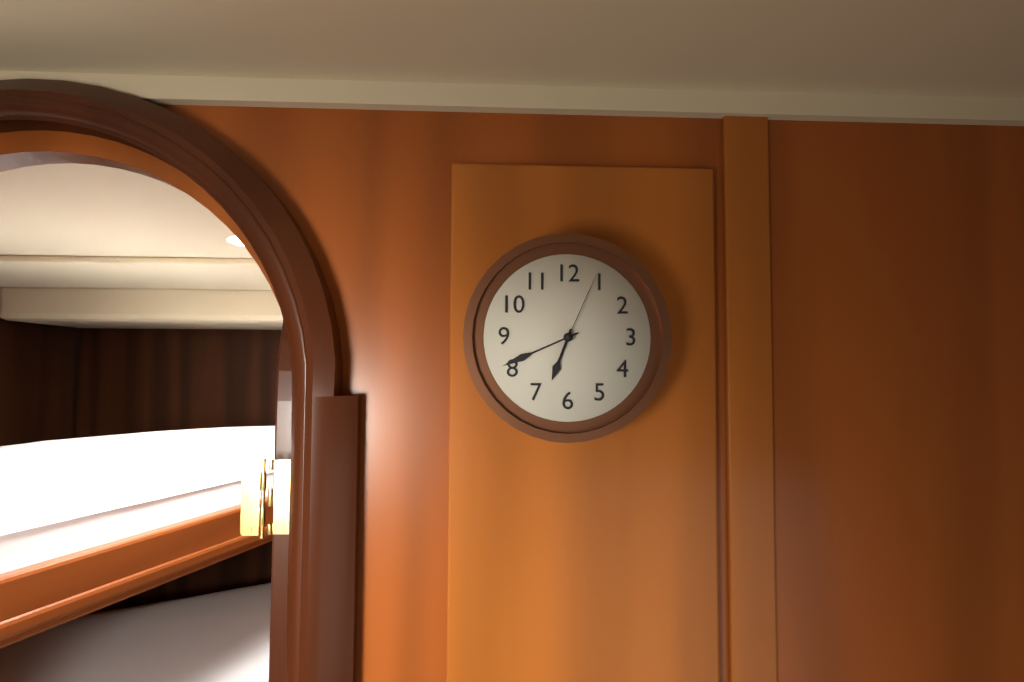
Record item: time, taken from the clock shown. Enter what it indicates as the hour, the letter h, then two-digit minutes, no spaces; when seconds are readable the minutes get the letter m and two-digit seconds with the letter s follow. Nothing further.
6h41m04s
